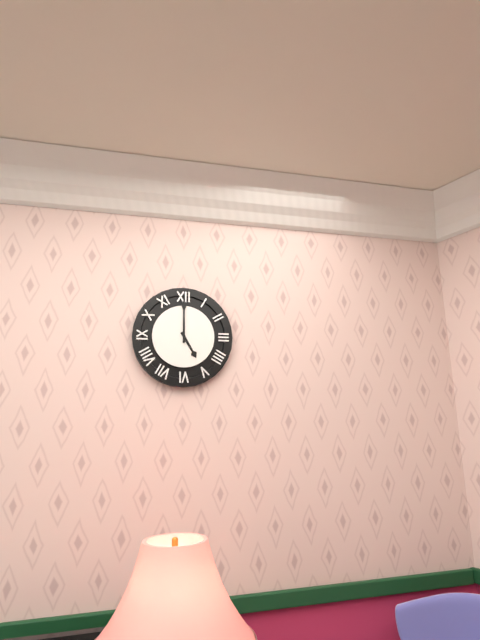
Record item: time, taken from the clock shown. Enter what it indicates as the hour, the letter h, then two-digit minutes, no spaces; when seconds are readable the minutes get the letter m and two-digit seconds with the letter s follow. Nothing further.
5h00
